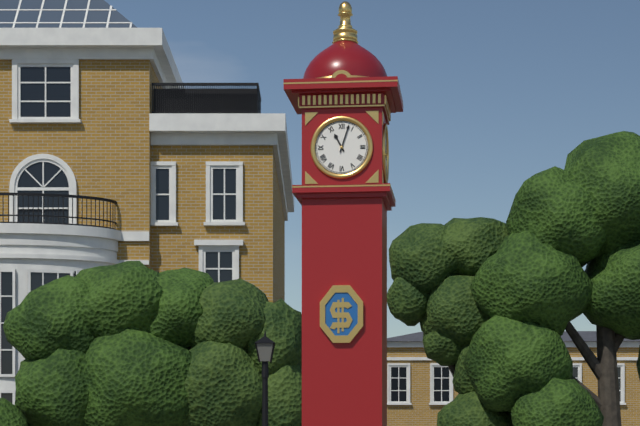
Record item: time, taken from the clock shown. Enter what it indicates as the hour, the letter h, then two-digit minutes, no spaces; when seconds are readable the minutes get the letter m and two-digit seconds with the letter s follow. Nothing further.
11h03
